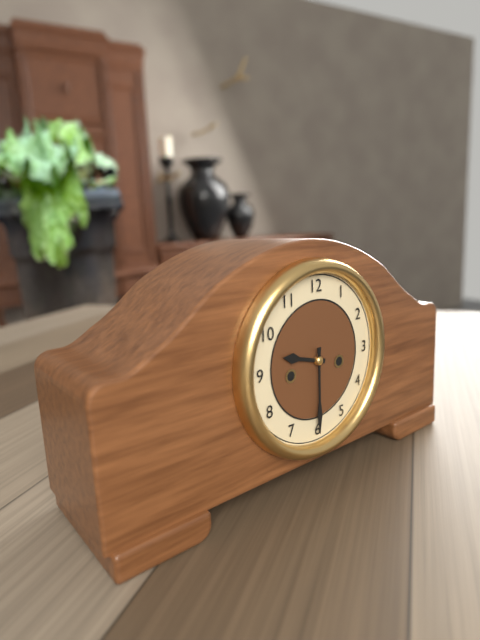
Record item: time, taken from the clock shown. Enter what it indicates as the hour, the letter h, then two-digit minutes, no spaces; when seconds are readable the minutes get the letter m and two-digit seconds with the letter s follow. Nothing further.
9h30
